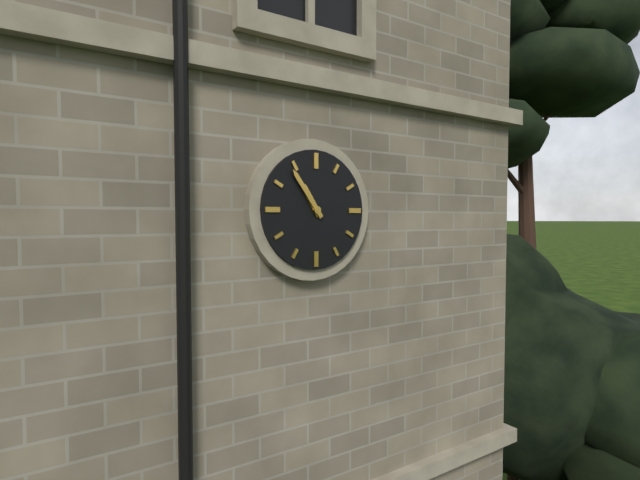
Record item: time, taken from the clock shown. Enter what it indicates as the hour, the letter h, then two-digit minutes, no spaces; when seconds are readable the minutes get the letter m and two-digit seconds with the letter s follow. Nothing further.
10h54
